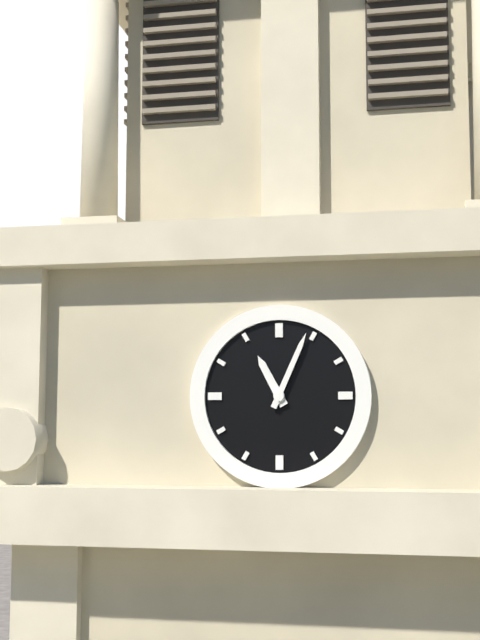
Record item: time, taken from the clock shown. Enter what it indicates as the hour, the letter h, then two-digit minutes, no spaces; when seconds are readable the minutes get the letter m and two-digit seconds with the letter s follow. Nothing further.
11h04
